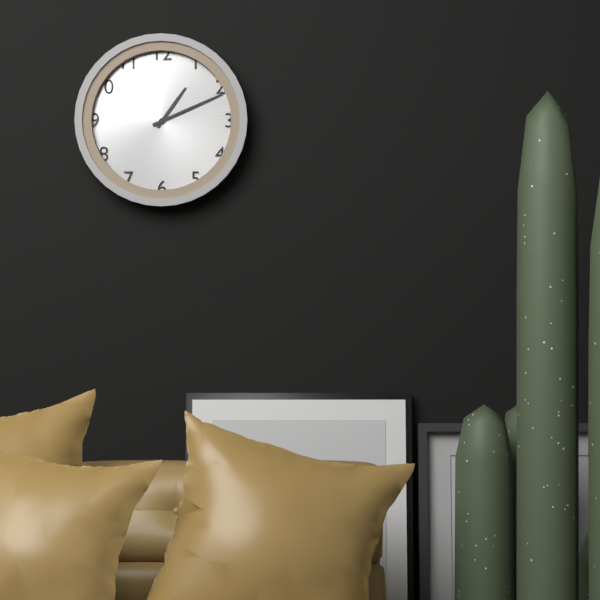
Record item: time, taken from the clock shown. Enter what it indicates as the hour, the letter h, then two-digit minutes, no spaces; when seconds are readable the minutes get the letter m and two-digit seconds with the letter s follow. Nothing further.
1h11
